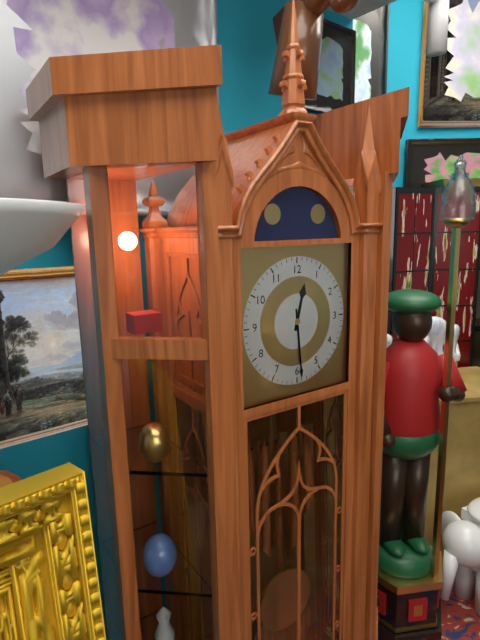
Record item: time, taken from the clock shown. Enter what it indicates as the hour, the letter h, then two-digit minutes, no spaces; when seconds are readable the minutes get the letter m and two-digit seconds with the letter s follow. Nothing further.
12h29
